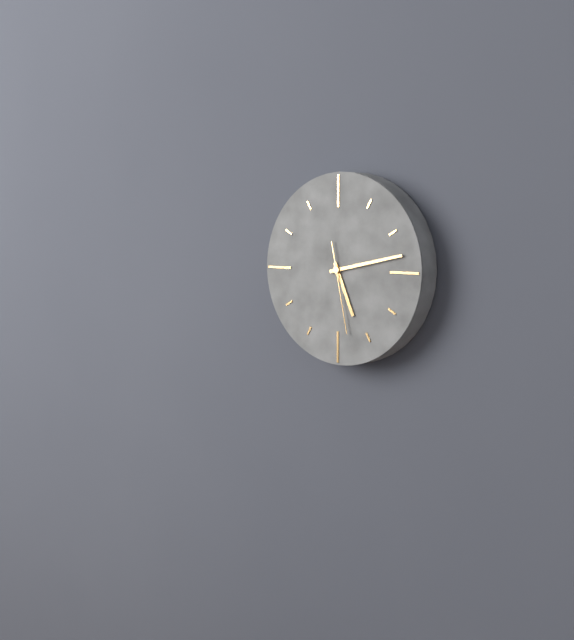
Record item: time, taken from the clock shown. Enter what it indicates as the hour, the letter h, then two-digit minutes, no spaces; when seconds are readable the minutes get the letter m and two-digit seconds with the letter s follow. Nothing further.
5h13m28s
